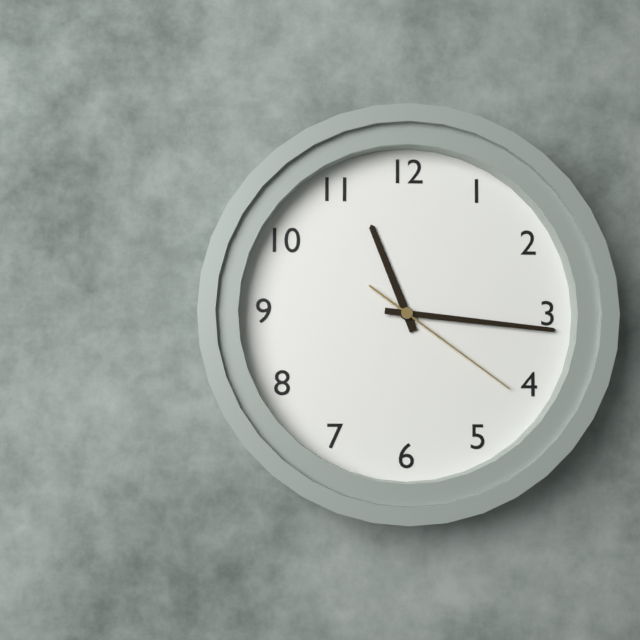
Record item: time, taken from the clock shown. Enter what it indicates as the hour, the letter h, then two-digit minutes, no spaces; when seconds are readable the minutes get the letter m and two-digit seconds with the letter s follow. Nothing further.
11h16m21s
